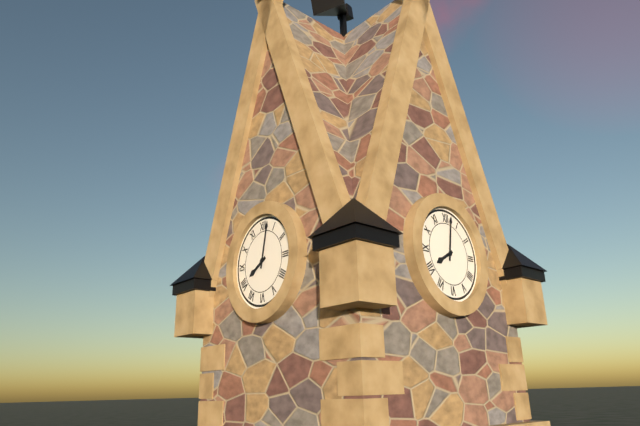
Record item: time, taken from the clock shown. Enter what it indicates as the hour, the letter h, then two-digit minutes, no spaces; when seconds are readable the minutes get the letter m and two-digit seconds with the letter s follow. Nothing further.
8h02
